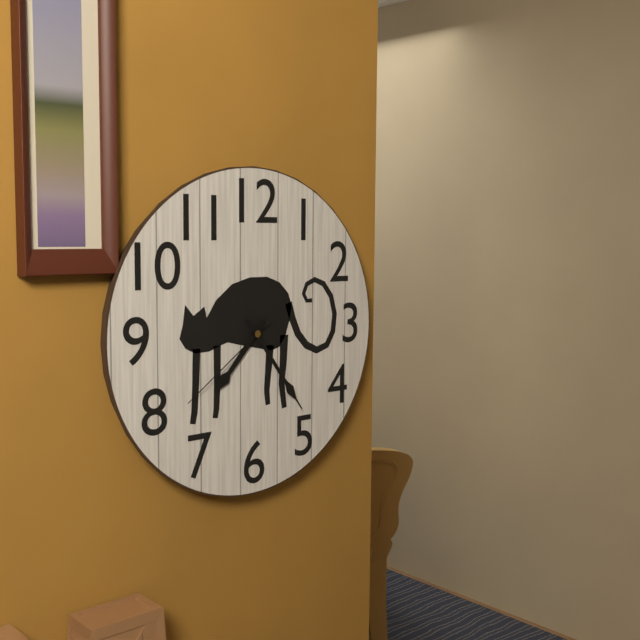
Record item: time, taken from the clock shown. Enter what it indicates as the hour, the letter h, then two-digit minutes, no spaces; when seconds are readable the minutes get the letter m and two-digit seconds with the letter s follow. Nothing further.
7h24m39s
